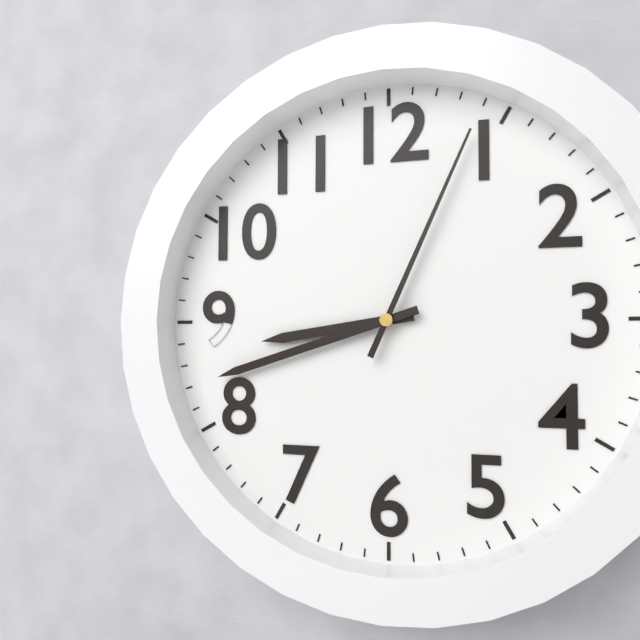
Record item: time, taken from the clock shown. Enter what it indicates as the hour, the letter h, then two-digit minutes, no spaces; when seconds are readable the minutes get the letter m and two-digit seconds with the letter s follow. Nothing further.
8h42m04s
